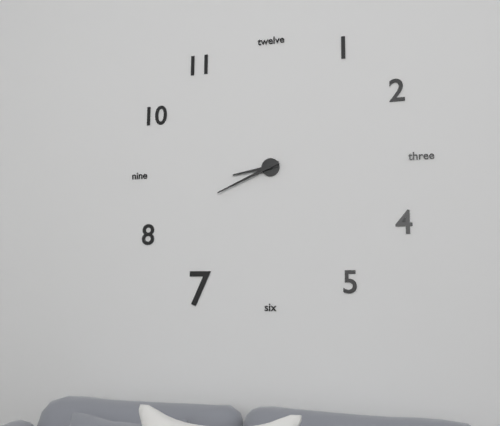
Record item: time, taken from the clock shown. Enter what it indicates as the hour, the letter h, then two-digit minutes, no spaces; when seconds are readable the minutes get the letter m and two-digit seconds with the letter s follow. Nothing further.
8h41
